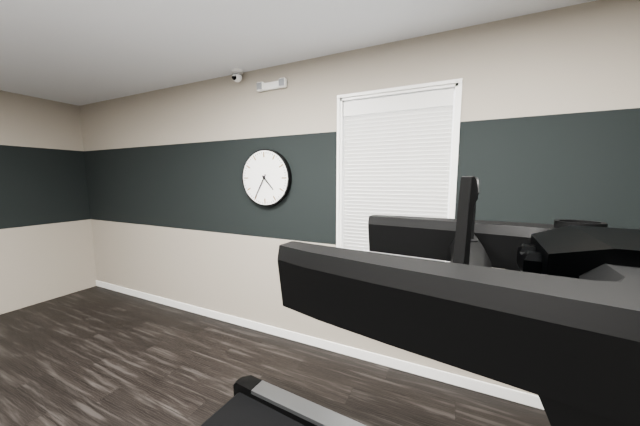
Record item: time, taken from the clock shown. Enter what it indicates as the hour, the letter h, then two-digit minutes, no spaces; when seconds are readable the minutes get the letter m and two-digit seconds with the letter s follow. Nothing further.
4h35
